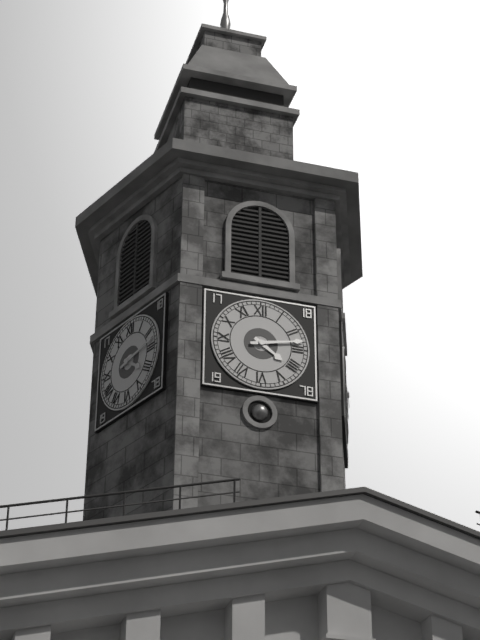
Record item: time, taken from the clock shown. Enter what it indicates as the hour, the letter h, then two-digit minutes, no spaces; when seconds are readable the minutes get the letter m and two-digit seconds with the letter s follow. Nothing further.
4h13
